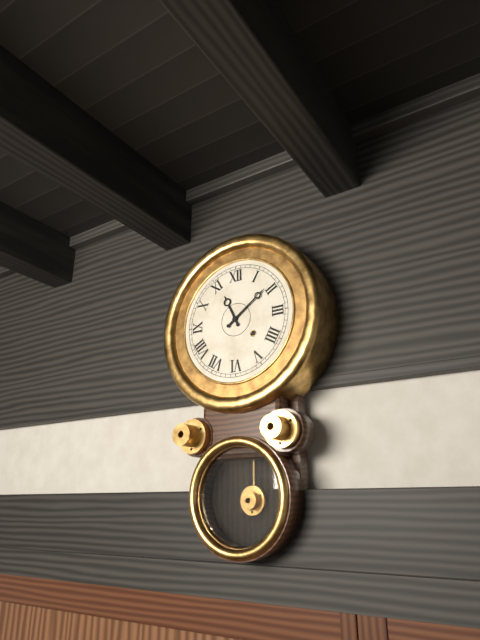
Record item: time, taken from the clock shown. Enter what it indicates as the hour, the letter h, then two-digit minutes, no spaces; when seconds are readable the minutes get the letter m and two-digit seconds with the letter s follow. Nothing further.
11h09
